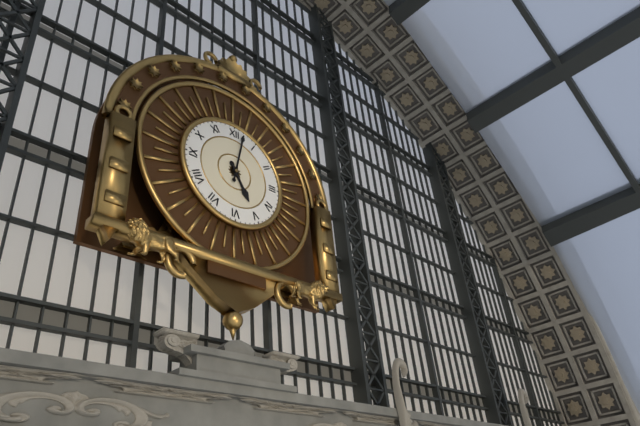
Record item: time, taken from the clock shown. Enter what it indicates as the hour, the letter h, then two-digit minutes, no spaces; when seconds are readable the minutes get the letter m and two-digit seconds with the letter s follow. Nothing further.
5h02
